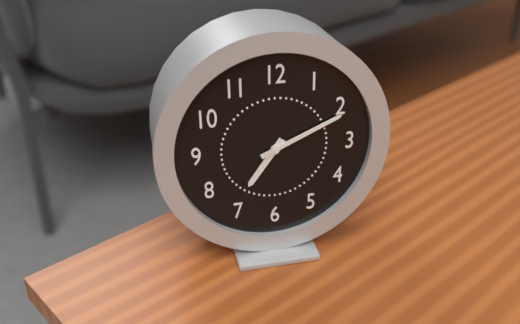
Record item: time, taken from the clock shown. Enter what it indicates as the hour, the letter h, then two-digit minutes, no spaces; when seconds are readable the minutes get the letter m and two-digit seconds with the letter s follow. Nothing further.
7h11
